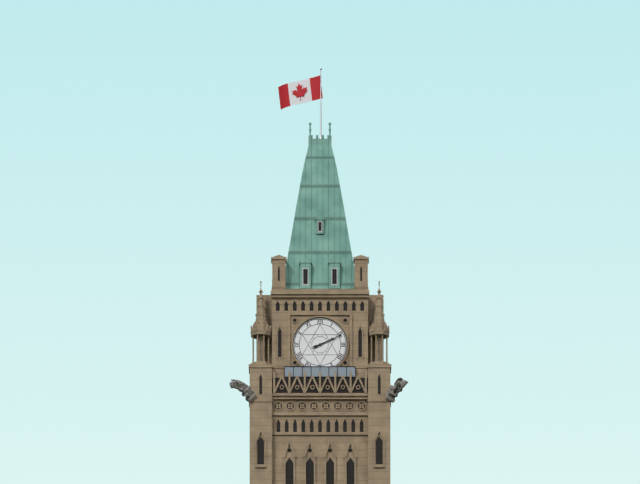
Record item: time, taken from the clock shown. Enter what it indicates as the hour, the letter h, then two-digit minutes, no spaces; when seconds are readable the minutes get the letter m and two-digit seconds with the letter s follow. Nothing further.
2h11
